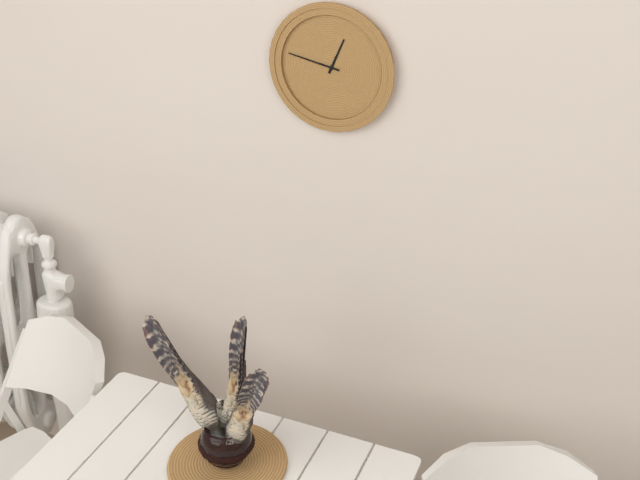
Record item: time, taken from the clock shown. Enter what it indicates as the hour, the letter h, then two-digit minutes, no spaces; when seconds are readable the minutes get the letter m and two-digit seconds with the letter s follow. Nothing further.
12h47
